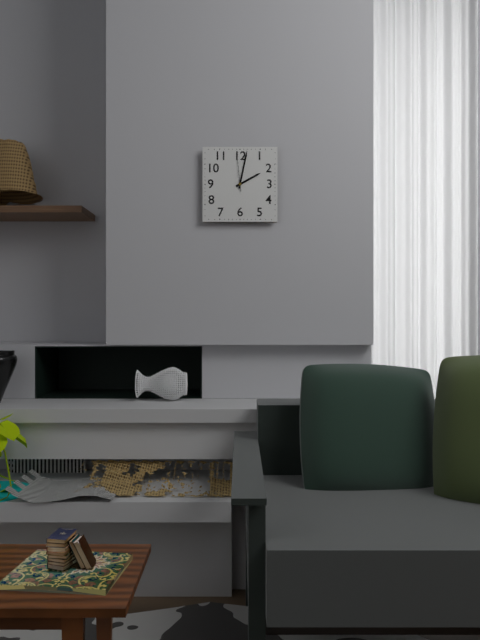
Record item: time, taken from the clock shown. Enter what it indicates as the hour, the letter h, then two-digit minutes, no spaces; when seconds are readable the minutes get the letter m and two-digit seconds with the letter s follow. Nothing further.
2h02
